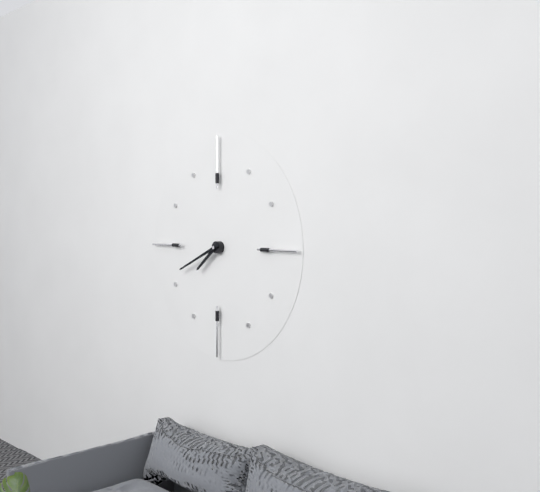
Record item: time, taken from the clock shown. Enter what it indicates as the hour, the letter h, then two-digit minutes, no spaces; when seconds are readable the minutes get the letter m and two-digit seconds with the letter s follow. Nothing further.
7h41
